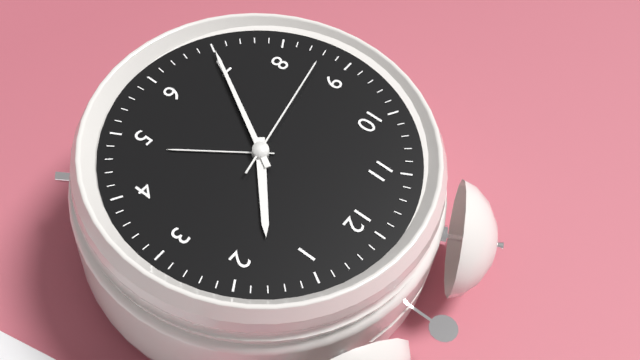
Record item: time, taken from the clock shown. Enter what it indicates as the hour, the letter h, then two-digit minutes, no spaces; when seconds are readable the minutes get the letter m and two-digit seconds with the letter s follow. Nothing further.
1h35m43s
